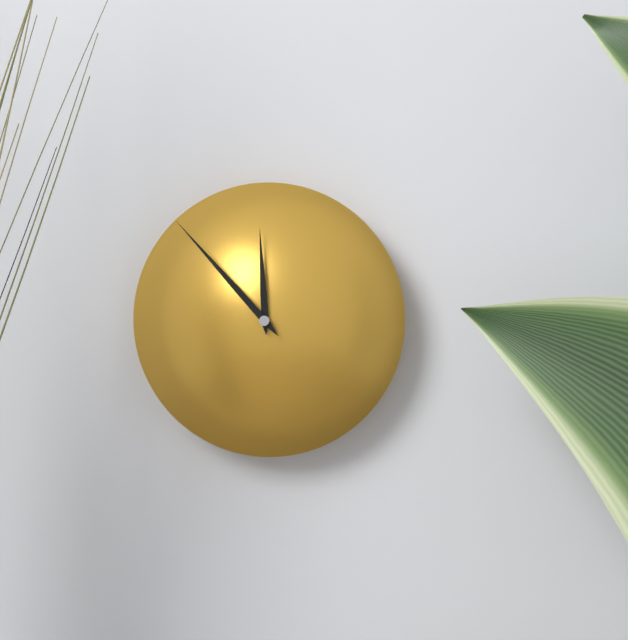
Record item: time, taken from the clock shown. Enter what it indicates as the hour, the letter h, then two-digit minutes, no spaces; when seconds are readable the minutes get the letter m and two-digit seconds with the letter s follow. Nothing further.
11h53
